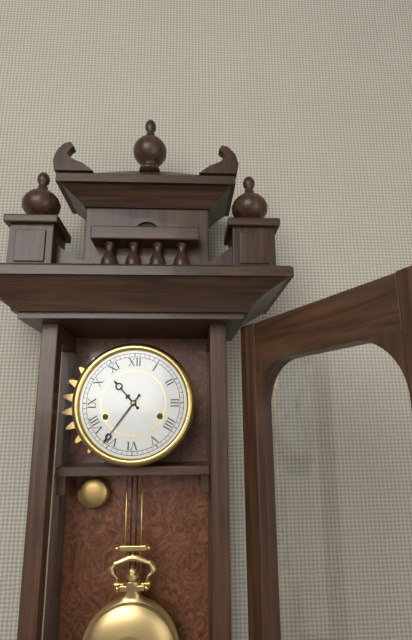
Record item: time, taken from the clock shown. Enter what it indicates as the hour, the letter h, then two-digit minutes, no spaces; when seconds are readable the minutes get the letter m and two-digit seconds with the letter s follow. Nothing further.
10h36
